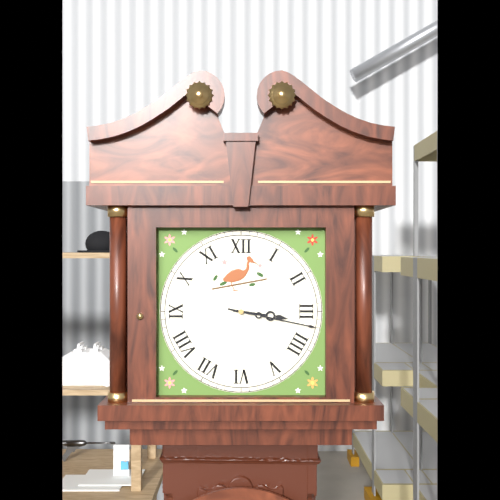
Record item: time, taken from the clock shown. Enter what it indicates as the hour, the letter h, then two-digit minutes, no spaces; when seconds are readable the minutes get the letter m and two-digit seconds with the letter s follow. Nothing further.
3h17
